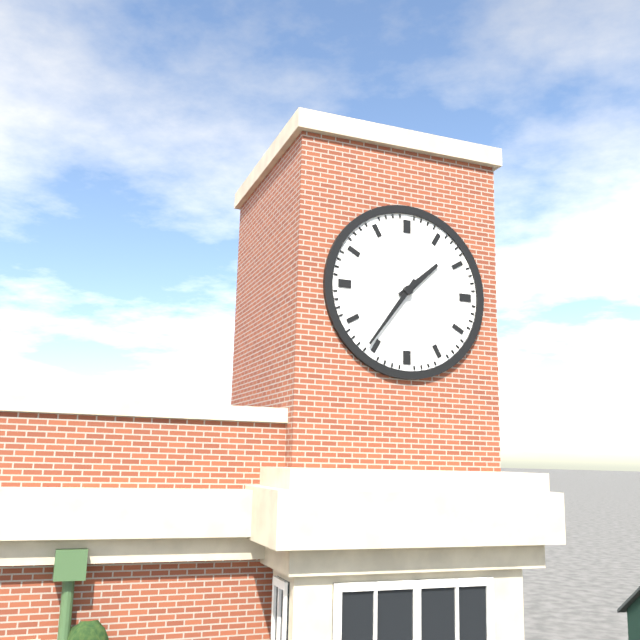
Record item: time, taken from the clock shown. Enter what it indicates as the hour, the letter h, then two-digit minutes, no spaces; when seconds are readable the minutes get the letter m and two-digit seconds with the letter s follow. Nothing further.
1h36
